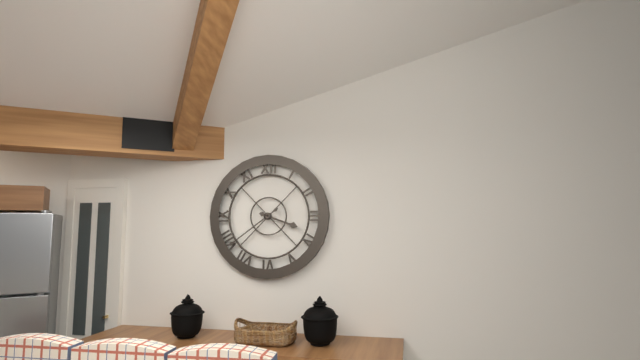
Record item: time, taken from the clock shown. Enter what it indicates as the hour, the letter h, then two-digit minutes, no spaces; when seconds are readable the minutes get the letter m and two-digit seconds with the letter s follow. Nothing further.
3h39
